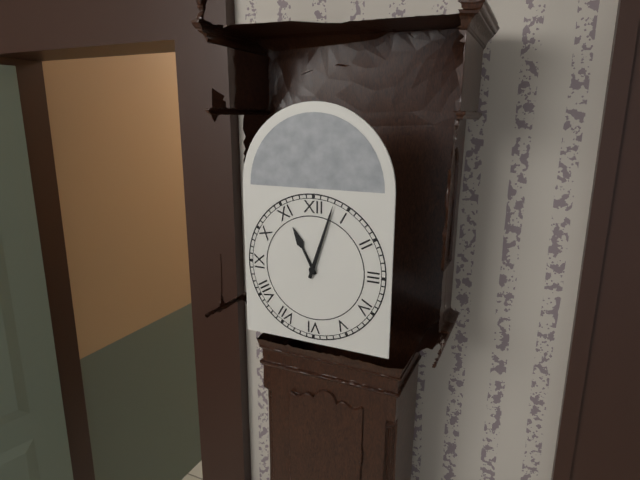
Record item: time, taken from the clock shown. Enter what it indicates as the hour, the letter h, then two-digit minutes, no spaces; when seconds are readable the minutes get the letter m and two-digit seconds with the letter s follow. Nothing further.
11h03
